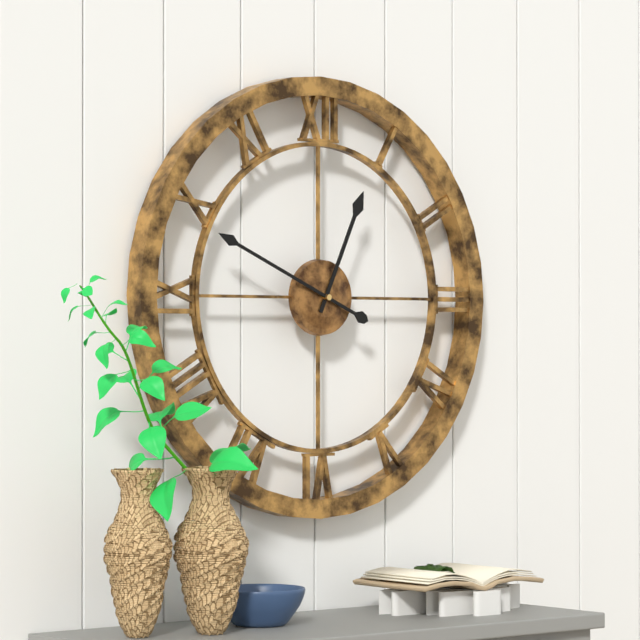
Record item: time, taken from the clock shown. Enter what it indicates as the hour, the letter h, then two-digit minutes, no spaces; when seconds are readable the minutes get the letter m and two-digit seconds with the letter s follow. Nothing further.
12h49
